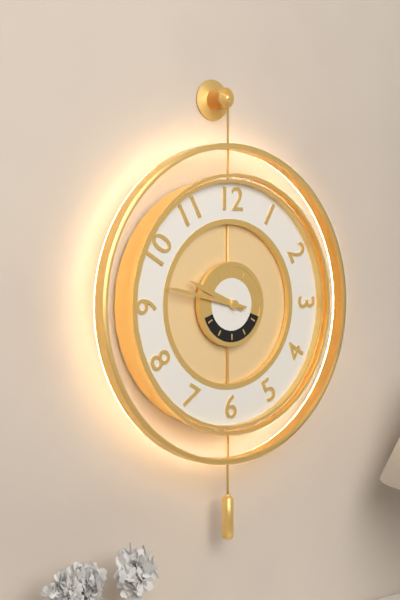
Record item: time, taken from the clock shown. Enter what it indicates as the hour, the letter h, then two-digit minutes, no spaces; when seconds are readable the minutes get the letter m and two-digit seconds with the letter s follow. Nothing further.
9h47
